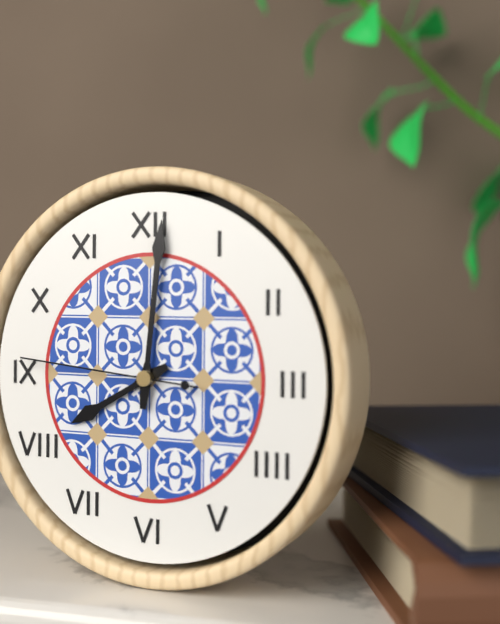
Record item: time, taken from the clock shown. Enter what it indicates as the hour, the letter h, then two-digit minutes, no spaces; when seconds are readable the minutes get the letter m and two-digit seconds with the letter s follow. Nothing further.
8h01m46s
